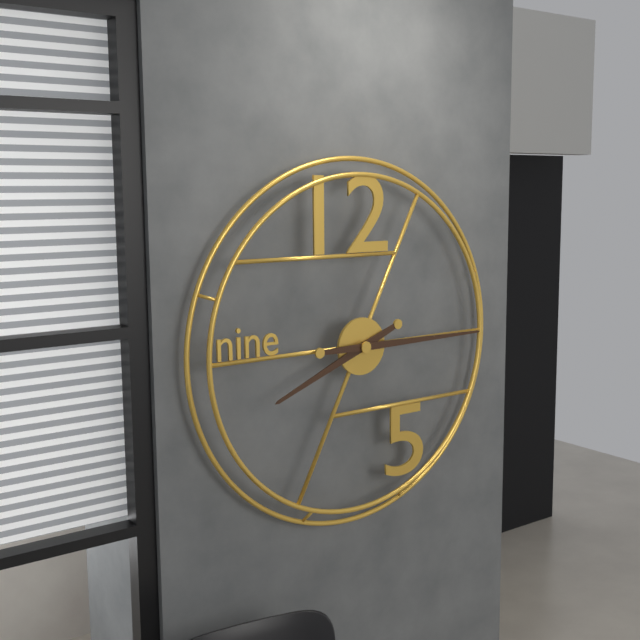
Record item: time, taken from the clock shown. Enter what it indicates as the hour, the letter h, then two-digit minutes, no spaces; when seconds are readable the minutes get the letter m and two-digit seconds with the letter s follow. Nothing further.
8h15
